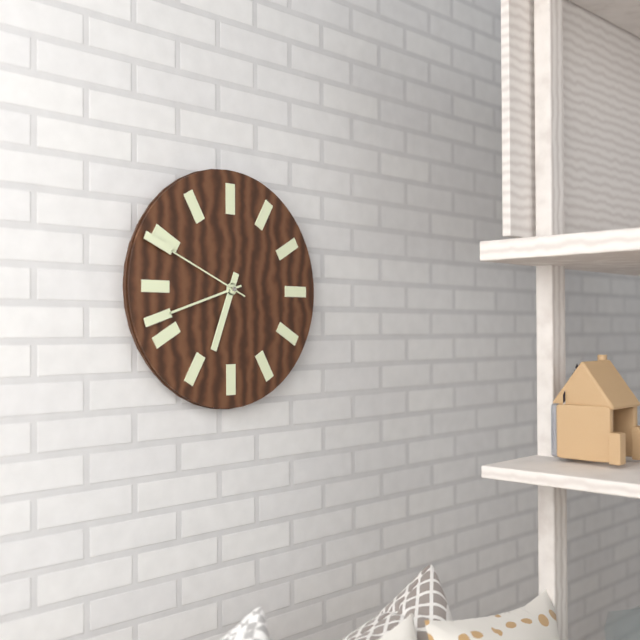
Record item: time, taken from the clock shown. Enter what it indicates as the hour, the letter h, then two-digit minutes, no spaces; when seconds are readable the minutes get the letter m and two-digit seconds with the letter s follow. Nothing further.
6h42m49s
